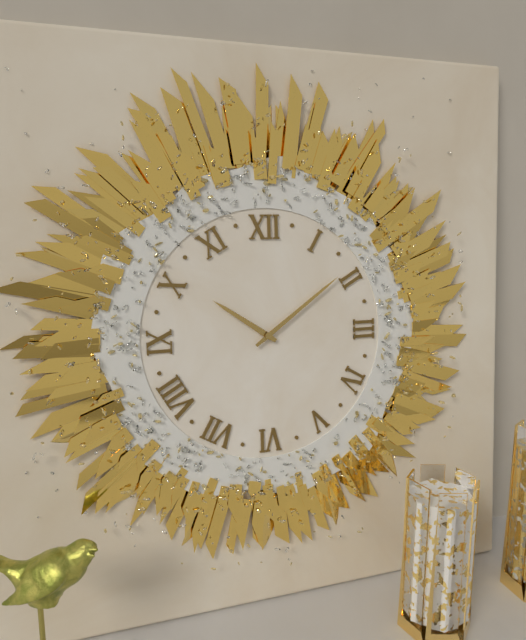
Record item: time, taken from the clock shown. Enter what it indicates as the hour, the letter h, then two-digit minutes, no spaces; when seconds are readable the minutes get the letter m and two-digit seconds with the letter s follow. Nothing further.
10h09
